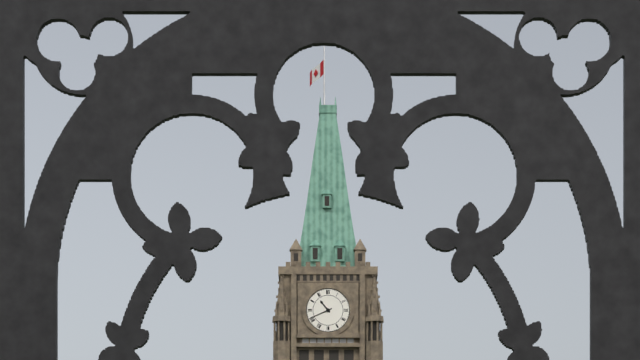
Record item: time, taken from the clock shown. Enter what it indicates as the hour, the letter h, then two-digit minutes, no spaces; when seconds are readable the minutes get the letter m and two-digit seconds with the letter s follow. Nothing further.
10h41
